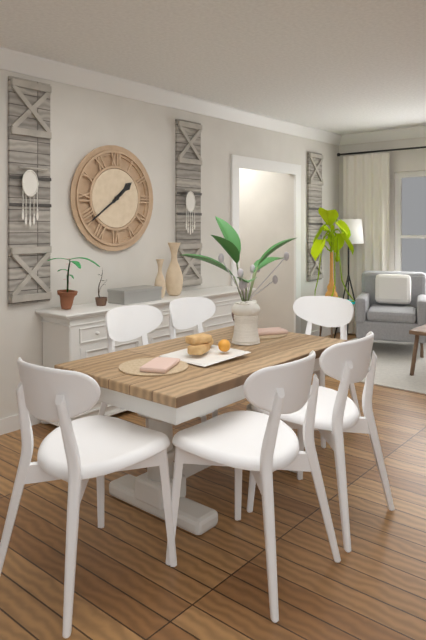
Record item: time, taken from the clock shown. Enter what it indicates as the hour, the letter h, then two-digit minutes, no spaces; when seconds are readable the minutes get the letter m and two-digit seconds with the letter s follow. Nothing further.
1h39
